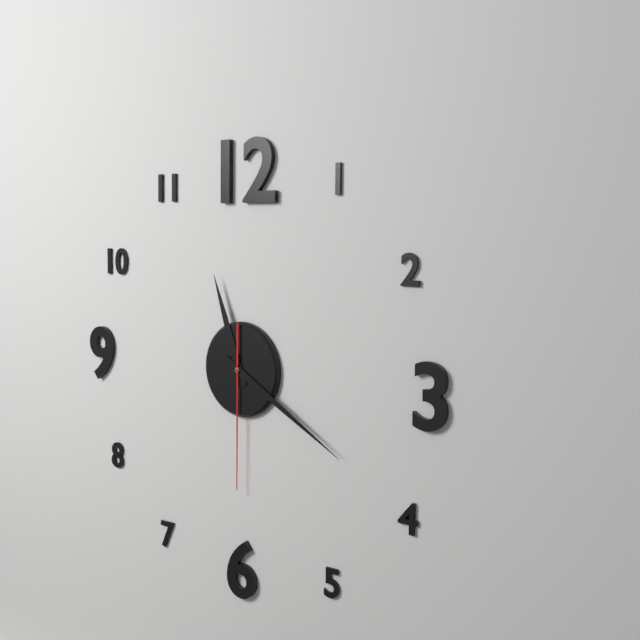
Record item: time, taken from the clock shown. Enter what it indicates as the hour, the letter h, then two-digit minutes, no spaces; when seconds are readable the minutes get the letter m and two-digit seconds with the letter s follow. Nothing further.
11h20m30s
